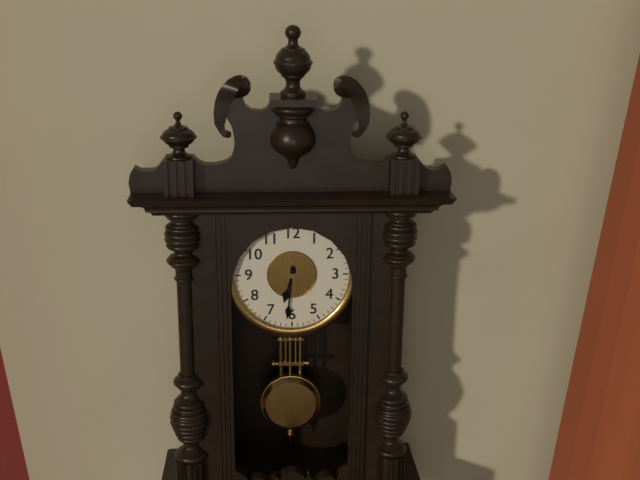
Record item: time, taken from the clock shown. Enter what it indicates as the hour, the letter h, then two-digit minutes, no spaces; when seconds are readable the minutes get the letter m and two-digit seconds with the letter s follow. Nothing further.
6h31
